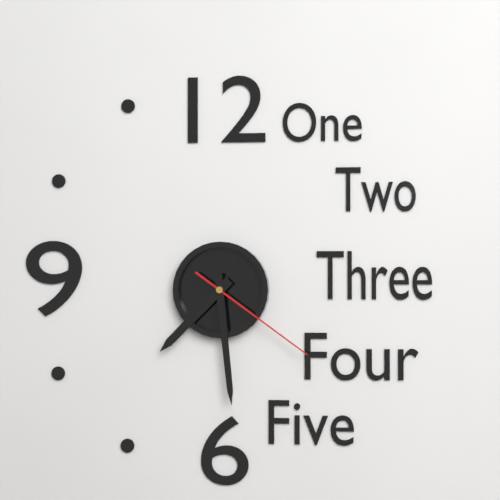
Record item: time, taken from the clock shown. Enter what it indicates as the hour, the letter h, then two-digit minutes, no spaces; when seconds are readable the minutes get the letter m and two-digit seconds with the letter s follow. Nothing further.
7h29m21s
